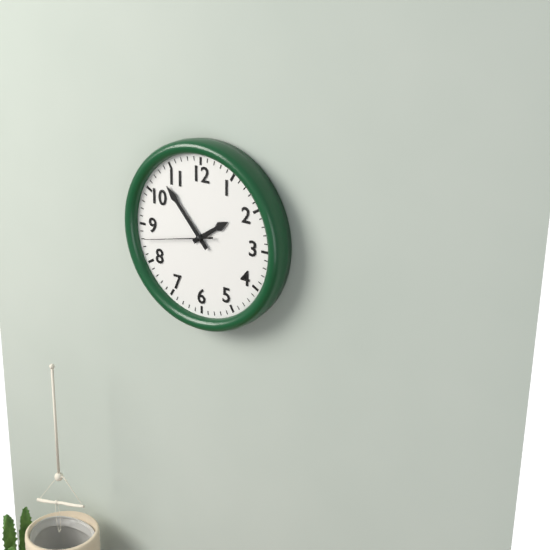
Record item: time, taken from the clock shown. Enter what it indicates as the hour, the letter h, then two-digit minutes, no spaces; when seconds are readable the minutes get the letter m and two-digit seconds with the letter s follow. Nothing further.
1h53m43s
